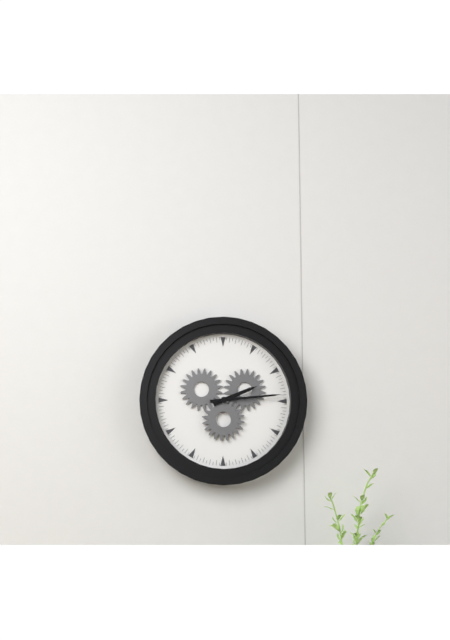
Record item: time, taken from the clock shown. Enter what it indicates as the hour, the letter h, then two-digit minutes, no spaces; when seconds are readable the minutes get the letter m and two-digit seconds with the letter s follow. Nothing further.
2h14
